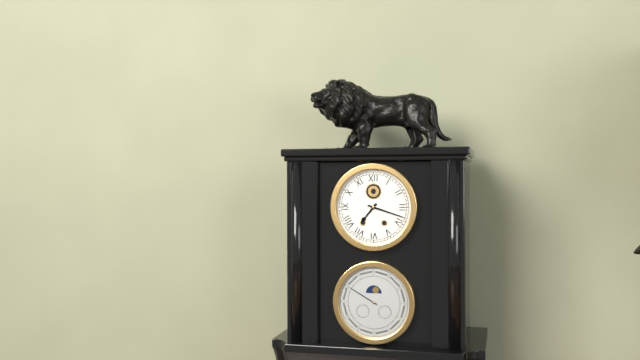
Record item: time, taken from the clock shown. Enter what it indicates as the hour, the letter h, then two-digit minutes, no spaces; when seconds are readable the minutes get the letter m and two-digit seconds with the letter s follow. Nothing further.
7h18
